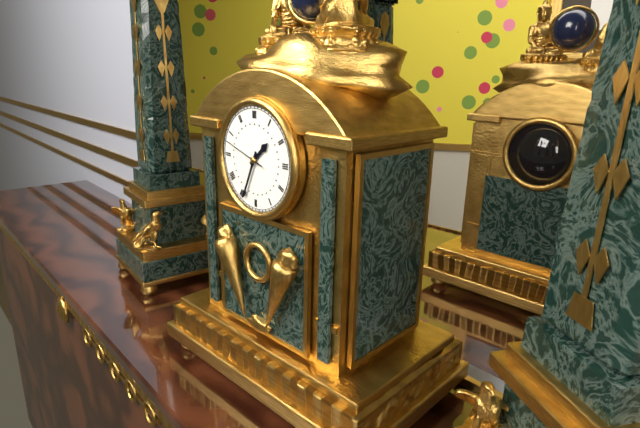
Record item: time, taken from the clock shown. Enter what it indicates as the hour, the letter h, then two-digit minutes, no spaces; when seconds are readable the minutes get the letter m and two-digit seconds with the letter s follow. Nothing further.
1h34
